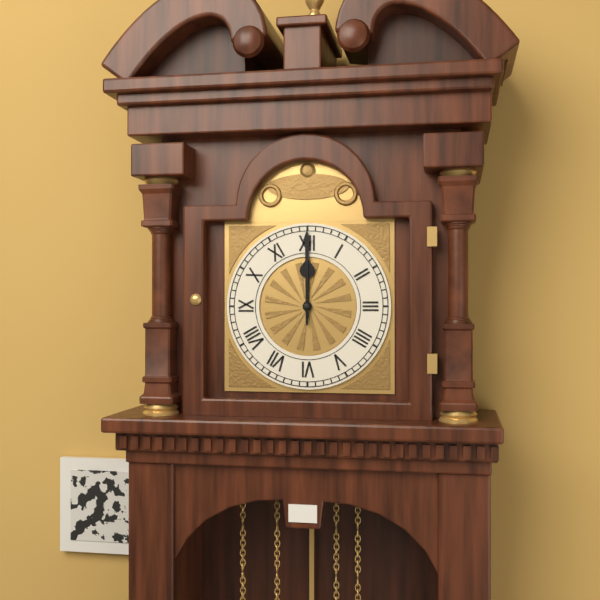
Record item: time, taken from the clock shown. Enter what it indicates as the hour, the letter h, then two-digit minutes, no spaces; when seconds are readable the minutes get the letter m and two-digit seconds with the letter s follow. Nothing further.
12h00
